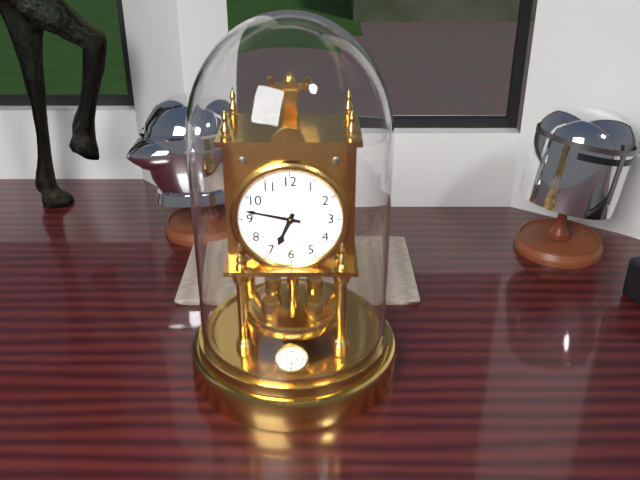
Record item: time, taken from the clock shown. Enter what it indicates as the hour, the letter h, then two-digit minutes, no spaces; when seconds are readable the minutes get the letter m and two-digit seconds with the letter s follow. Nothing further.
6h47
